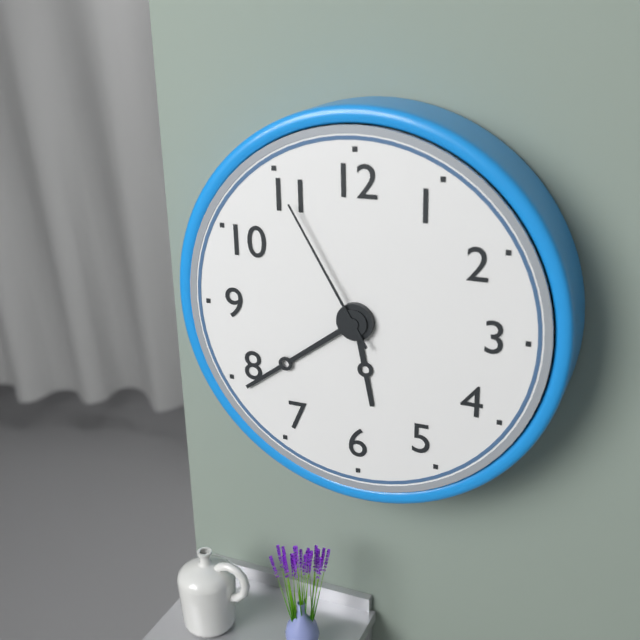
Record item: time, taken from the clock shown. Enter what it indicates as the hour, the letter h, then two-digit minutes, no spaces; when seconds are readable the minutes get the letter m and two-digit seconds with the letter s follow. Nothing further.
5h39m55s
